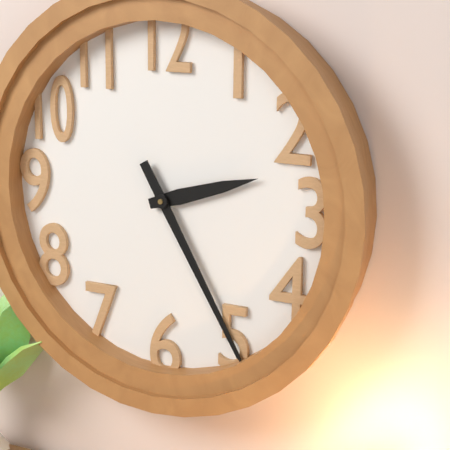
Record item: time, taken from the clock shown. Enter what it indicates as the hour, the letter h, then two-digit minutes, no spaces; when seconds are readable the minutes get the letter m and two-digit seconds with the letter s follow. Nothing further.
2h25
